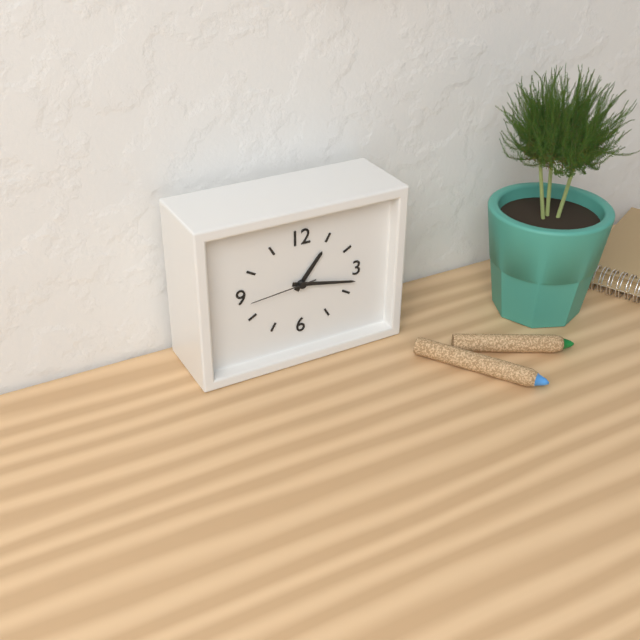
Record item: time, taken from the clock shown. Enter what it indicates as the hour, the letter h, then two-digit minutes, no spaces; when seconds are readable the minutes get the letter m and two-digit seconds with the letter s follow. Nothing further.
1h17m44s
